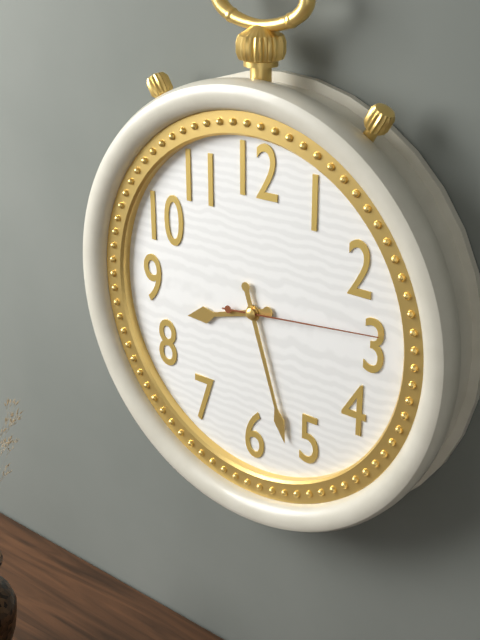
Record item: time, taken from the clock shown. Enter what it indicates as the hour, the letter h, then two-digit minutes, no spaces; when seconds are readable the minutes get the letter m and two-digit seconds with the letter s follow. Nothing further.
8h27m14s
